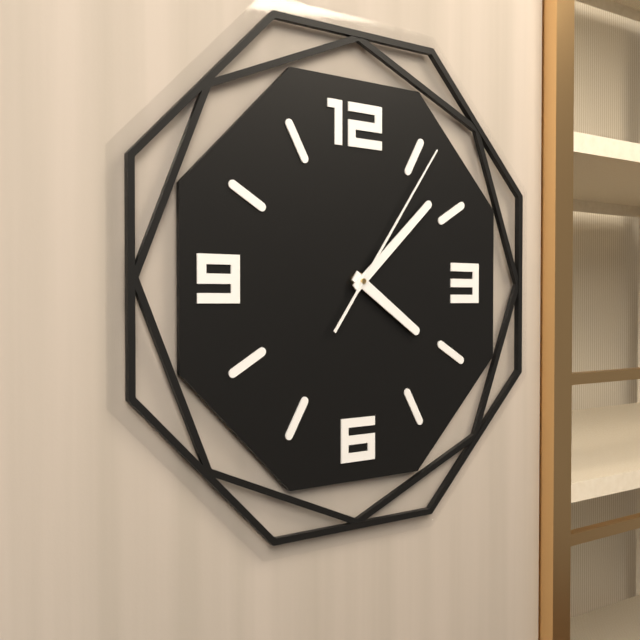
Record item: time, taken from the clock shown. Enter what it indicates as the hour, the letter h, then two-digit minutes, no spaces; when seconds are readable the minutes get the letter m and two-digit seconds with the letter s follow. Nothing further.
4h08m06s
